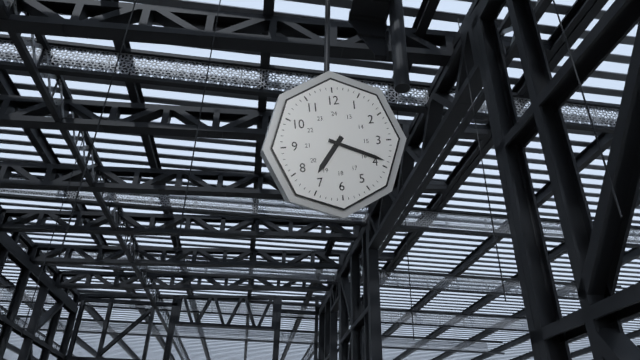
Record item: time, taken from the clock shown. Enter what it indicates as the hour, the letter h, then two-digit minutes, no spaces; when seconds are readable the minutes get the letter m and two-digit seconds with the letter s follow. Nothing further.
7h19
